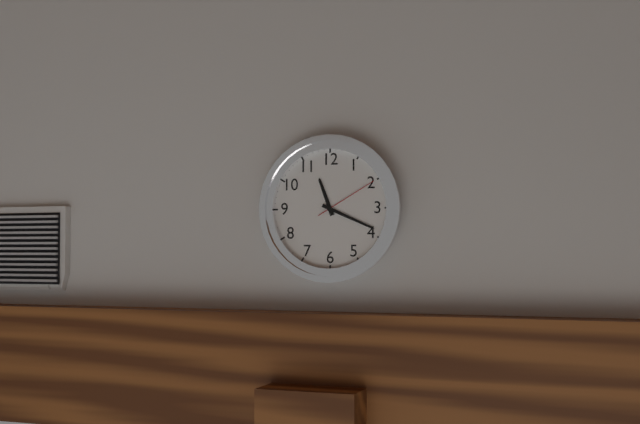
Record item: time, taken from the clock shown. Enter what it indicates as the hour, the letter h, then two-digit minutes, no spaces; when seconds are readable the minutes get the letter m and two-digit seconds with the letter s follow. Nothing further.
11h19m10s
